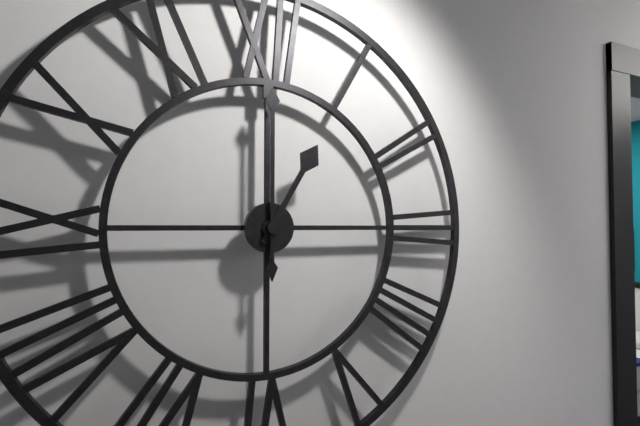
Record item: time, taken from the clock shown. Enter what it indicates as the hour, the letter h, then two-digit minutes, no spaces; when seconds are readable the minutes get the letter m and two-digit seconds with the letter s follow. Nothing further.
1h00
